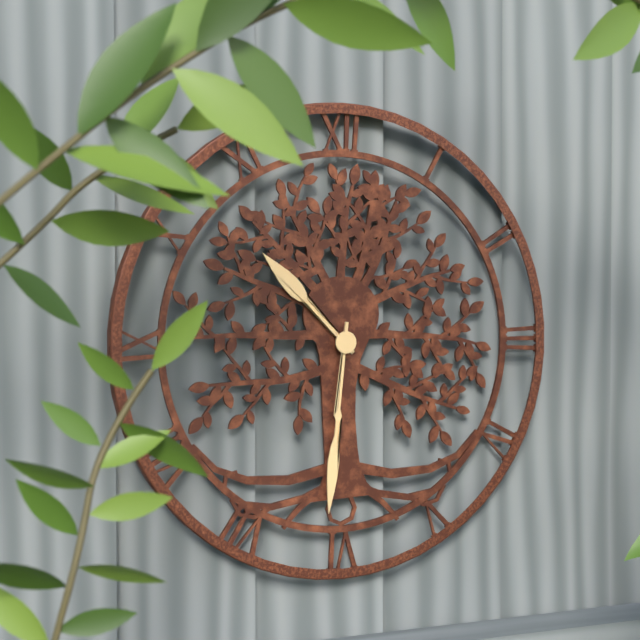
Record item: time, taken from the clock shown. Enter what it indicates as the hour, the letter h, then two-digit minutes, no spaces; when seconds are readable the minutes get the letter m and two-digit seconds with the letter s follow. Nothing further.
10h31
